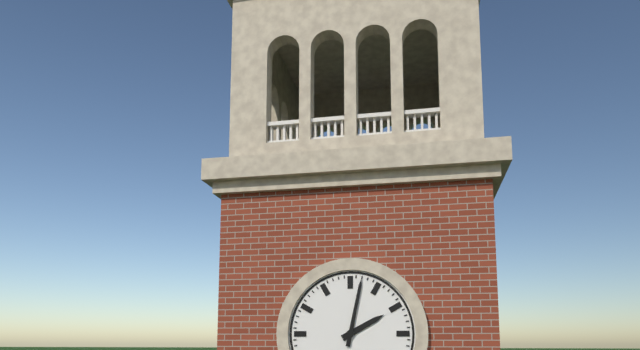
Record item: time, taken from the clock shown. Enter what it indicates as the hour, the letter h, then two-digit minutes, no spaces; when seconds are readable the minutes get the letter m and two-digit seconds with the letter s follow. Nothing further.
2h02
